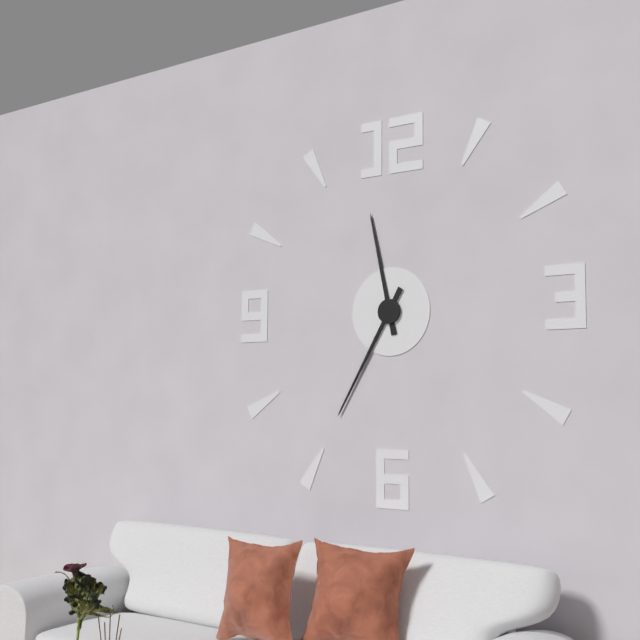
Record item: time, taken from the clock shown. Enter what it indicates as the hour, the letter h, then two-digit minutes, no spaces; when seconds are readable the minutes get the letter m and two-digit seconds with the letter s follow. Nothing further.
11h35
